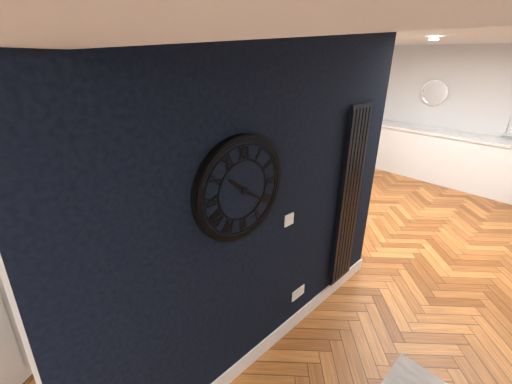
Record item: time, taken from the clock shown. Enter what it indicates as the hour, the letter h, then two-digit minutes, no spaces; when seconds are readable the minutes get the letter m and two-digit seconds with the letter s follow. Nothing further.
10h21
